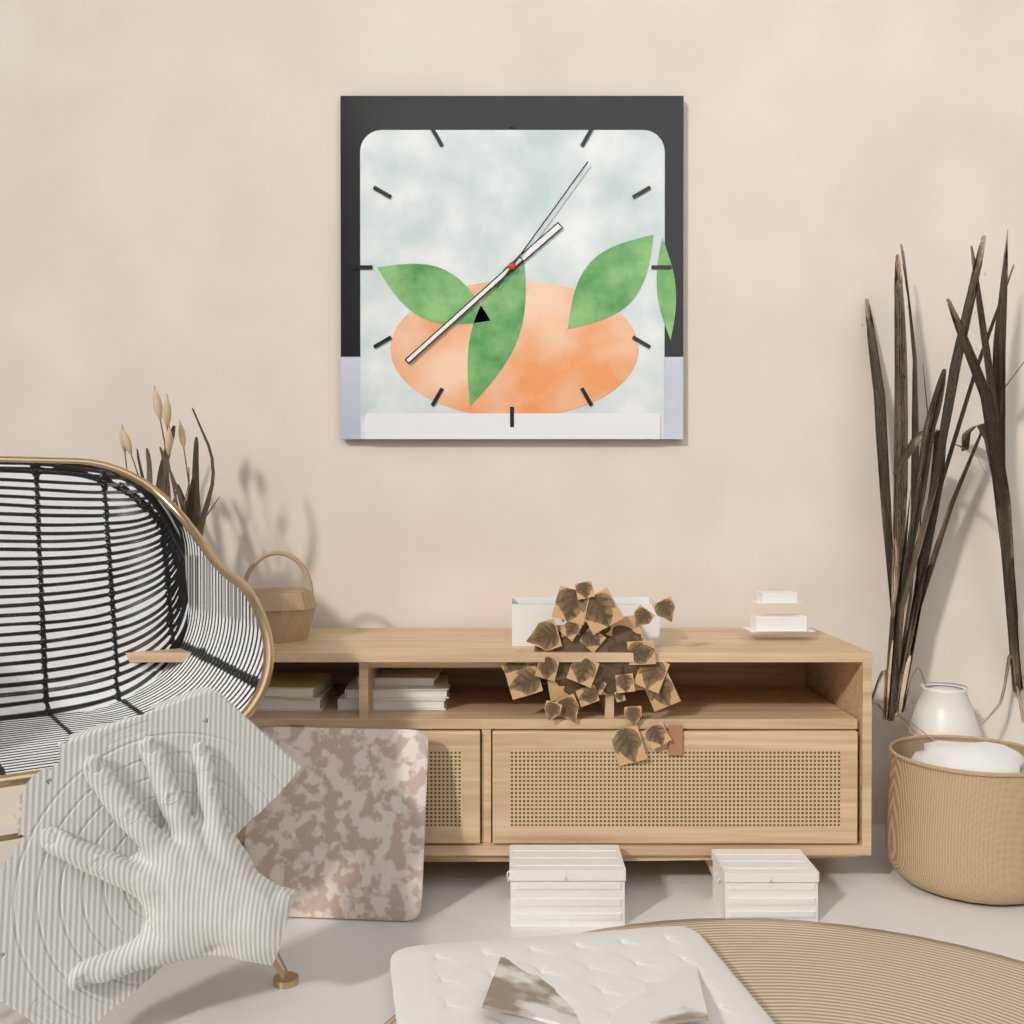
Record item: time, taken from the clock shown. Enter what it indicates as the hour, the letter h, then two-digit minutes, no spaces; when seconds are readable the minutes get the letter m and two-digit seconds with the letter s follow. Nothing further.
1h38m06s
